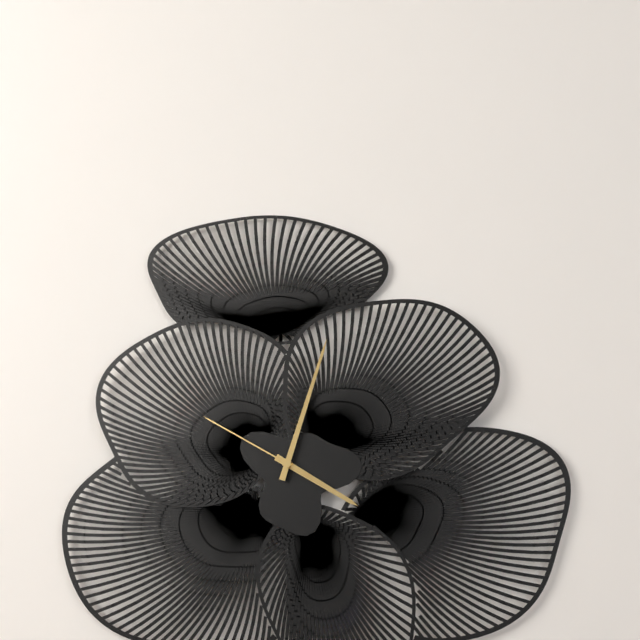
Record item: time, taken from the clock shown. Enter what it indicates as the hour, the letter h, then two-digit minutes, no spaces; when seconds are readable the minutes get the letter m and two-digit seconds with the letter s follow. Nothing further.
4h03m50s
